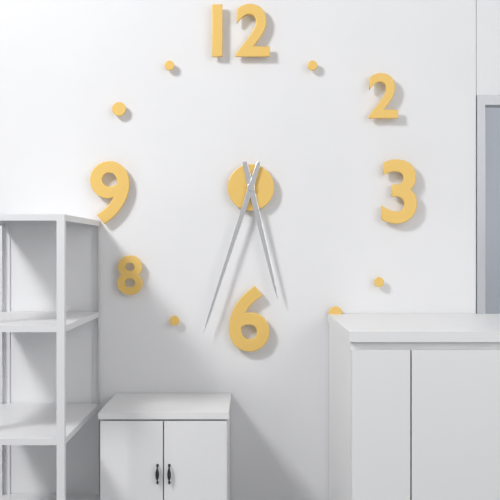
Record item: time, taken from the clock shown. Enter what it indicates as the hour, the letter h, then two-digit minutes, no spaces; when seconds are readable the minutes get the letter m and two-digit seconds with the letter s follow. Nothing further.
5h33
